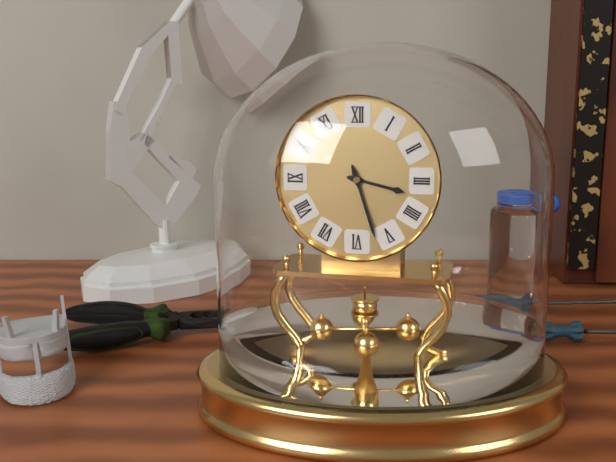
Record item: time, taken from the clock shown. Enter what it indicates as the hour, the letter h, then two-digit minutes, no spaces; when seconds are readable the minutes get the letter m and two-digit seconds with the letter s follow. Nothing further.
3h27
